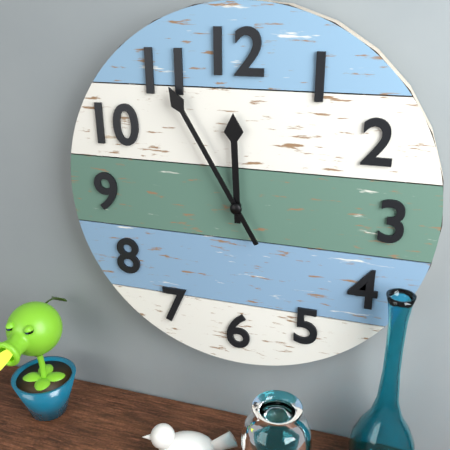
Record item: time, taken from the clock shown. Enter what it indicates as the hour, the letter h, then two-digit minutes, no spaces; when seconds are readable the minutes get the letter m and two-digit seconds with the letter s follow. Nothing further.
11h55
